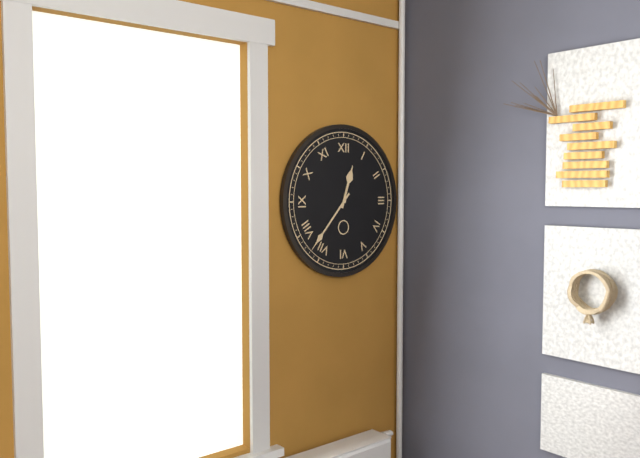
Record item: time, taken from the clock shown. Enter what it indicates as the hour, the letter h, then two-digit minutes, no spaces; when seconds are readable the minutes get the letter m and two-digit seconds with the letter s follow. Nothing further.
12h37
